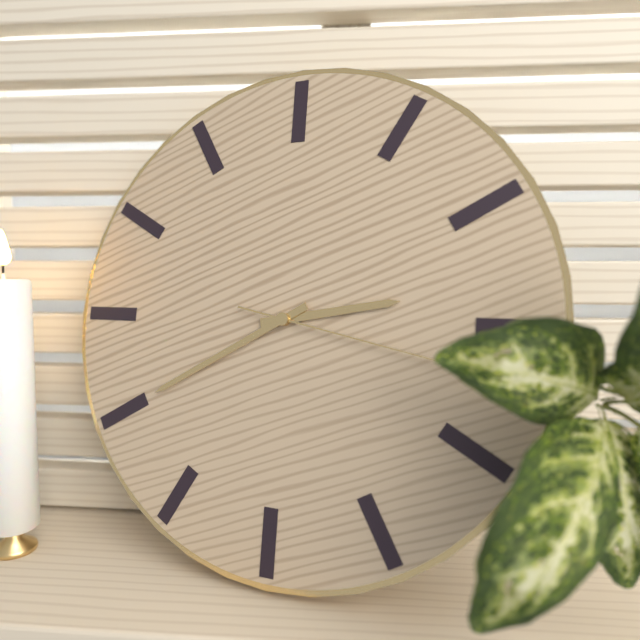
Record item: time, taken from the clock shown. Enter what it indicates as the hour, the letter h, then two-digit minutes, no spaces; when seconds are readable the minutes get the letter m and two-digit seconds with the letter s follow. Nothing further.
2h40m17s
